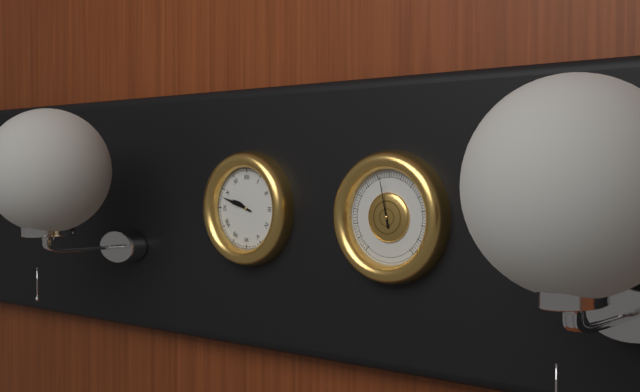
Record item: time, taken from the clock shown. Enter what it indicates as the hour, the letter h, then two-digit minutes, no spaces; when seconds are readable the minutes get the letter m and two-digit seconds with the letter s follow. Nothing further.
9h48
